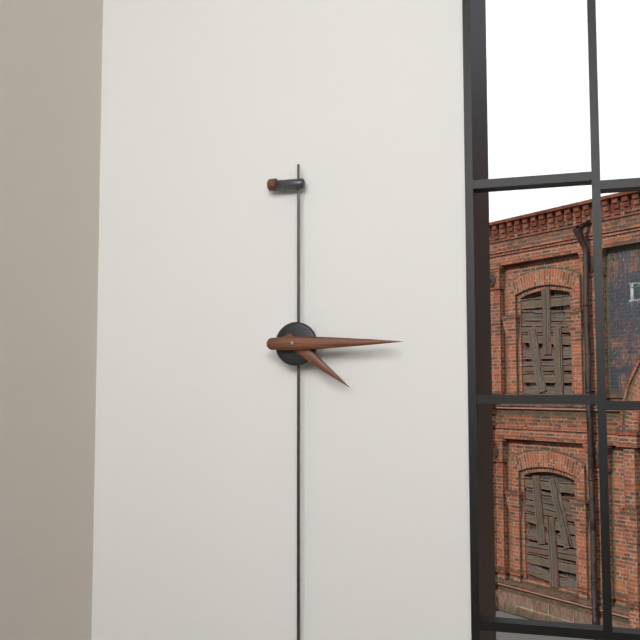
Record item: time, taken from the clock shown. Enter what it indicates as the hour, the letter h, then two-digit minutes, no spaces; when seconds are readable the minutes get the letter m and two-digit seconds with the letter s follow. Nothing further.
4h15
